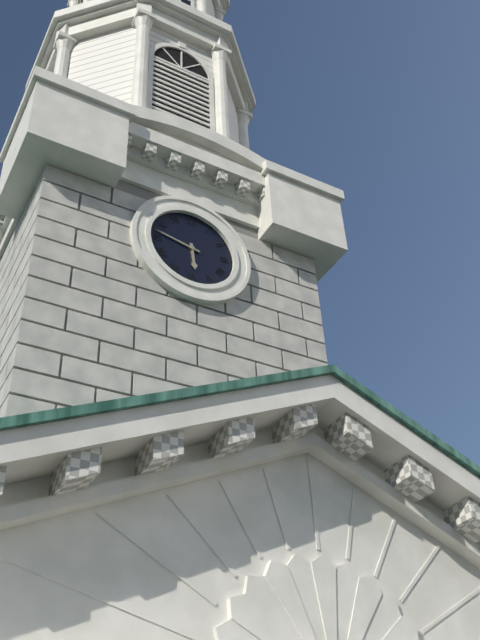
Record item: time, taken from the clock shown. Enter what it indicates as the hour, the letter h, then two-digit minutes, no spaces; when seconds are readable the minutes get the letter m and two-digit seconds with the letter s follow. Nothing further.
5h47
